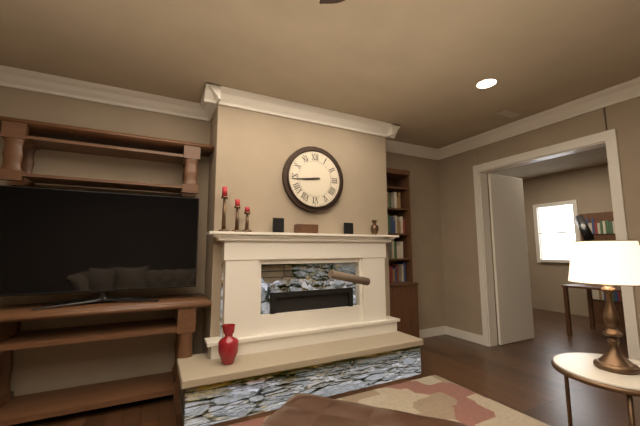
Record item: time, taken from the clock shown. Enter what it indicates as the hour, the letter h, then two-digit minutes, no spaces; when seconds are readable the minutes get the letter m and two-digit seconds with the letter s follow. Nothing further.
8h44
